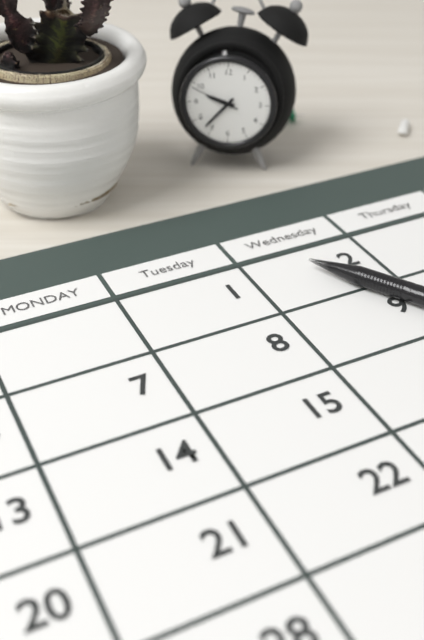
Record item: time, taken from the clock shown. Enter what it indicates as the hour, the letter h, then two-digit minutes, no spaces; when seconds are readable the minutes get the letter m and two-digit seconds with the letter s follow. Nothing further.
9h37
